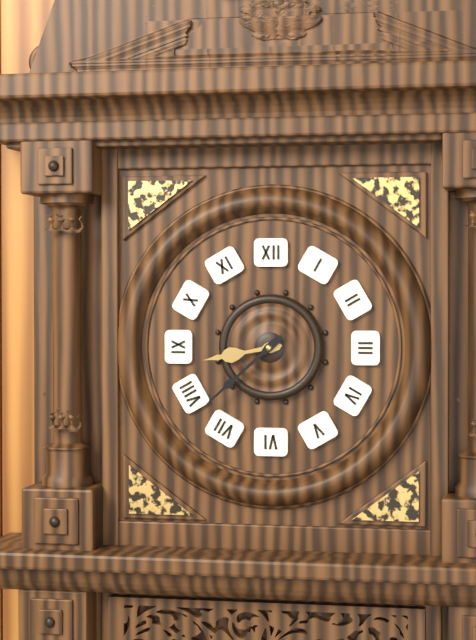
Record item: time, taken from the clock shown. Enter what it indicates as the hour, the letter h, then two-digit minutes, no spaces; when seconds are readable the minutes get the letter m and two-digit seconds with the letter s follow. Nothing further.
8h38
